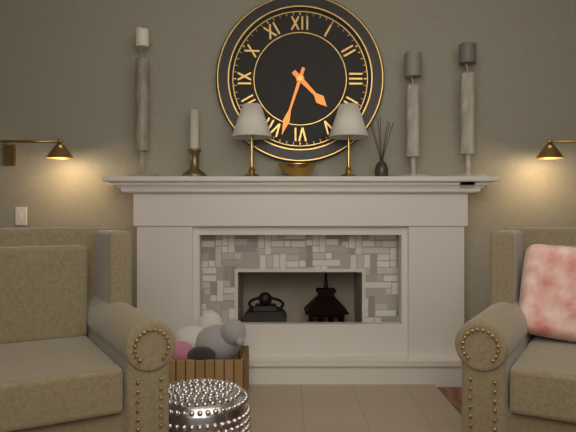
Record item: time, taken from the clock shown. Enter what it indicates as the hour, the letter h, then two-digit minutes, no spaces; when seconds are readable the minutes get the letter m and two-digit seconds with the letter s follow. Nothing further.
4h33
